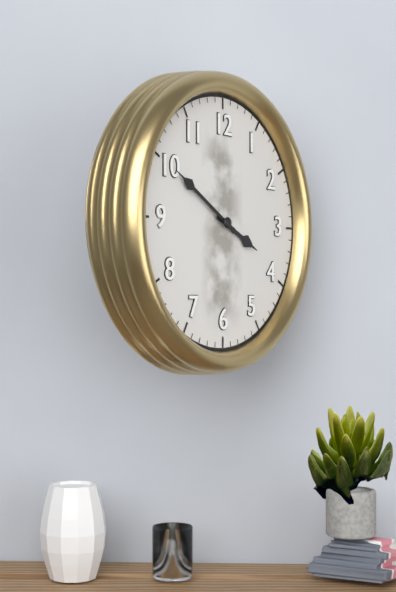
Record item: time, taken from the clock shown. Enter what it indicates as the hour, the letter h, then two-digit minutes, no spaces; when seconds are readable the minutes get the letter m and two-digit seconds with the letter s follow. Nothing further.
3h50
